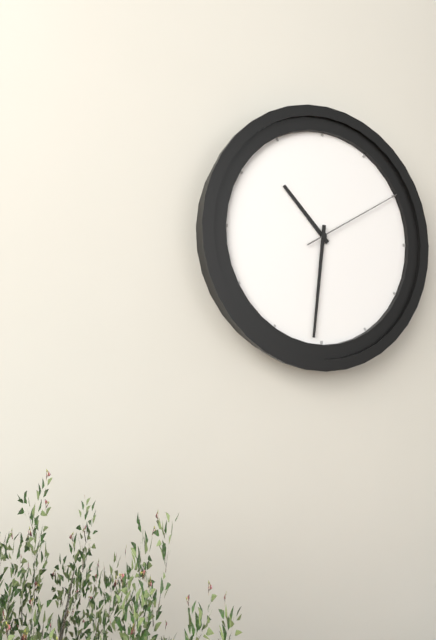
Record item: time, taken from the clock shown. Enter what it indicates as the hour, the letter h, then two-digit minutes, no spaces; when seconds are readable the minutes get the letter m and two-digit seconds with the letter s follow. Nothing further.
10h31m10s
